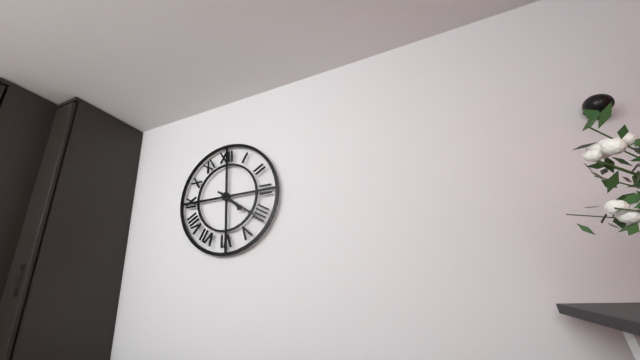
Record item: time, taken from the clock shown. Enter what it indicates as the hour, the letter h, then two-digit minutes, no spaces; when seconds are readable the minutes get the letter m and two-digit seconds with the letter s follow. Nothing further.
4h21
